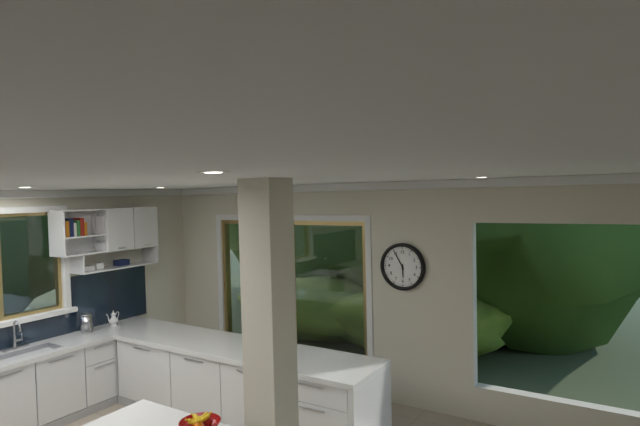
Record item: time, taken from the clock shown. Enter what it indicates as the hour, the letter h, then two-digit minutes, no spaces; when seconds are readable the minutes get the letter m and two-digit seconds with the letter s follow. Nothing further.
5h55
